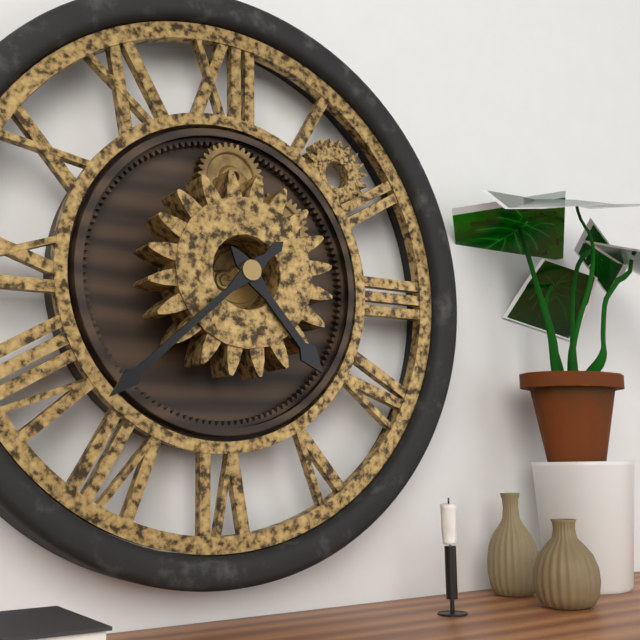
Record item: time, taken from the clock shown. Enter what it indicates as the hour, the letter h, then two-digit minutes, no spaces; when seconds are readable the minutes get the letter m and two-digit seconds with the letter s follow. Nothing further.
4h38
